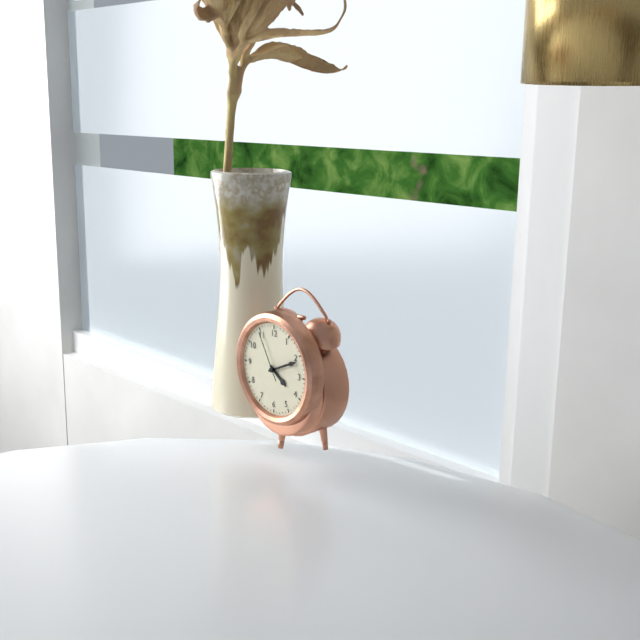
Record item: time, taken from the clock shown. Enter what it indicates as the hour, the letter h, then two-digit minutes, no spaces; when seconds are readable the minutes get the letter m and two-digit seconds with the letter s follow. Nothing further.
4h11m55s
